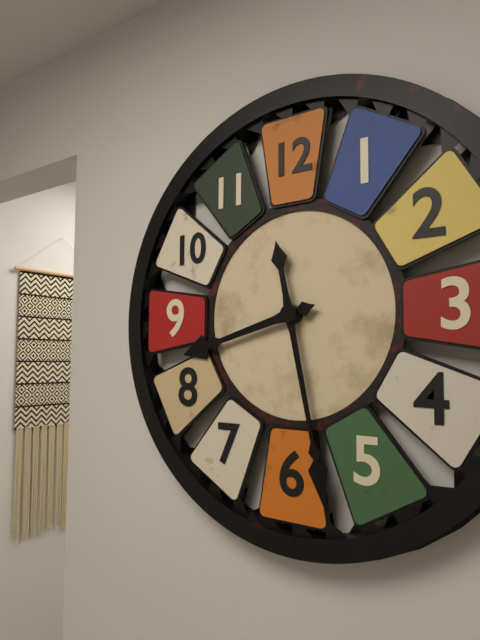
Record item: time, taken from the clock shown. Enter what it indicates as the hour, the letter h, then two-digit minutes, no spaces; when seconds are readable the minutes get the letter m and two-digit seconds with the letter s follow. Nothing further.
8h28
